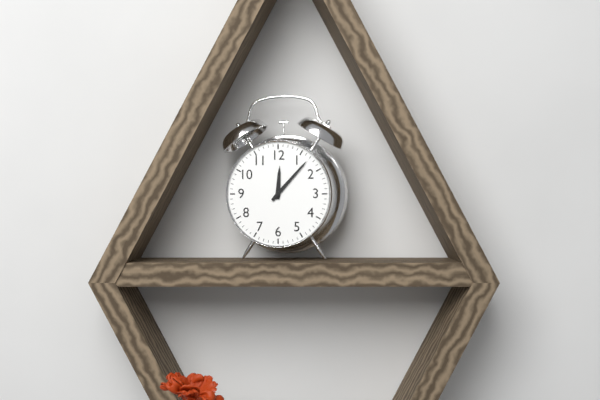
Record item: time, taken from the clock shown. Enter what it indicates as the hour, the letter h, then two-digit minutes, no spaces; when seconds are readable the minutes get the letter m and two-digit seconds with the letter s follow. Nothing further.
12h07
